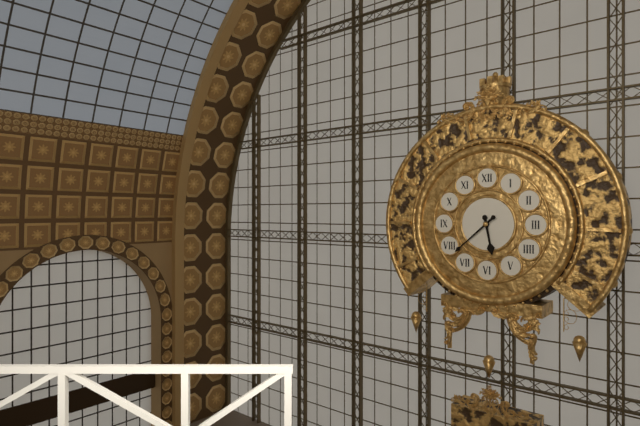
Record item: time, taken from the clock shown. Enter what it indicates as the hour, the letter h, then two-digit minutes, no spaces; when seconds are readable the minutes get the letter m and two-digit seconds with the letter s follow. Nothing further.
5h38
